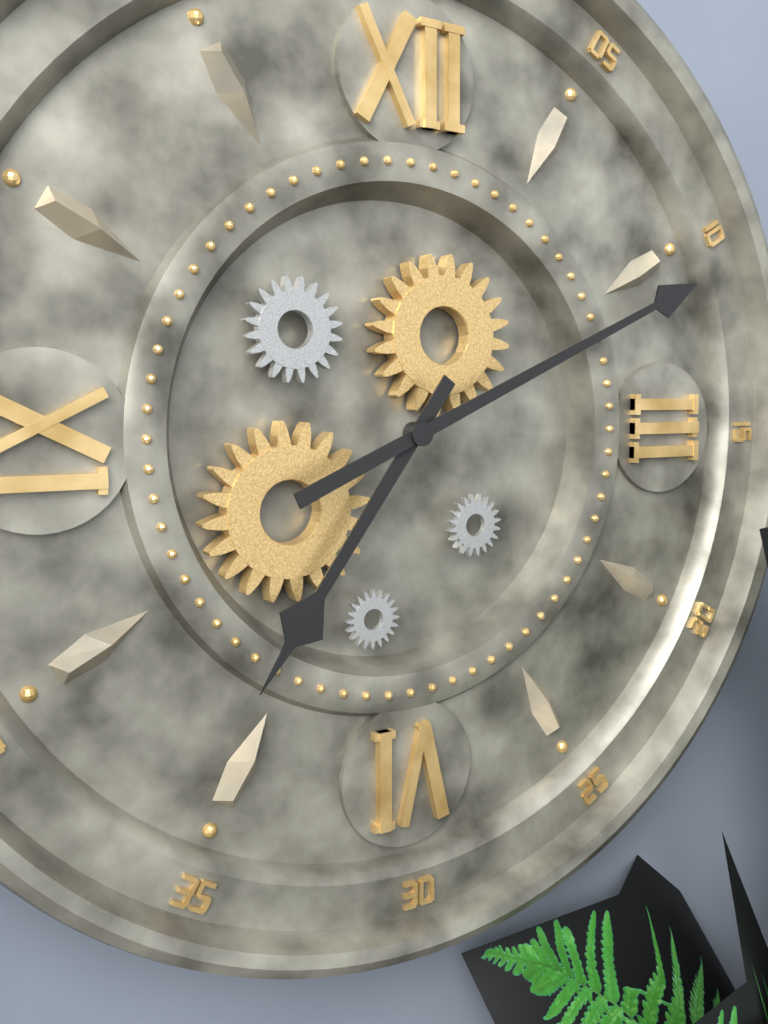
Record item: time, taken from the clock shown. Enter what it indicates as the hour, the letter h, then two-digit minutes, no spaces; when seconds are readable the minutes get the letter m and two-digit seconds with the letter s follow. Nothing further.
7h11
